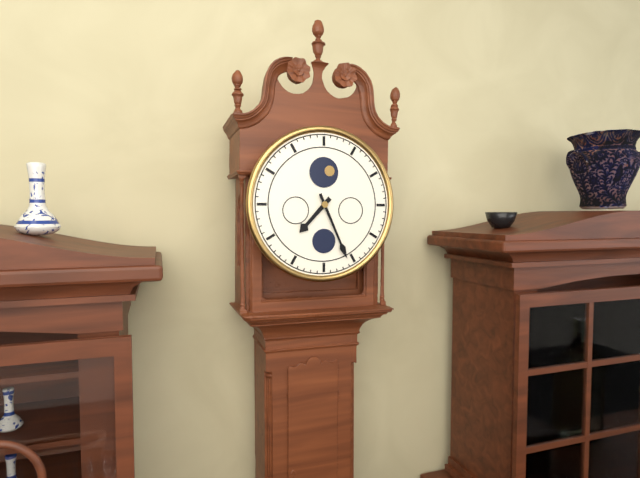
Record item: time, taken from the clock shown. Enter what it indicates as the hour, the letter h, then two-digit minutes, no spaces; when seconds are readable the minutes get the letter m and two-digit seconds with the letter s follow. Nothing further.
7h26
